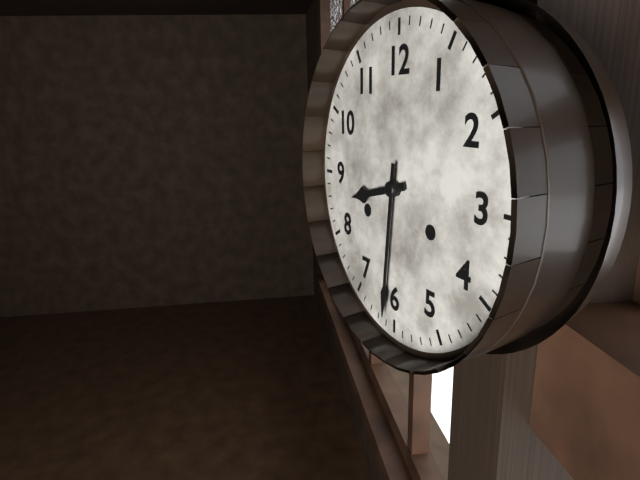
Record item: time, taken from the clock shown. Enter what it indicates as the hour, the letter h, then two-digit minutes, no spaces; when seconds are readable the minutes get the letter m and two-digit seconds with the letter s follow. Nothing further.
8h31
